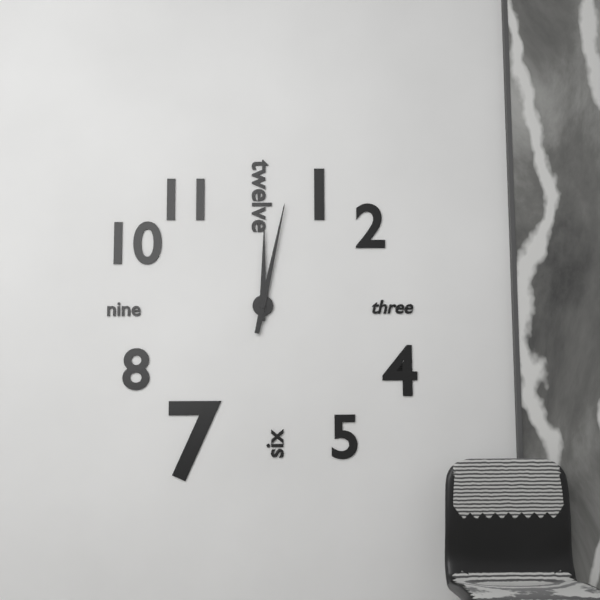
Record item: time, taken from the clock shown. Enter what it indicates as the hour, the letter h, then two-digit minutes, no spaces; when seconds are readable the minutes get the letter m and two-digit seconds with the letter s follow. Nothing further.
12h02
